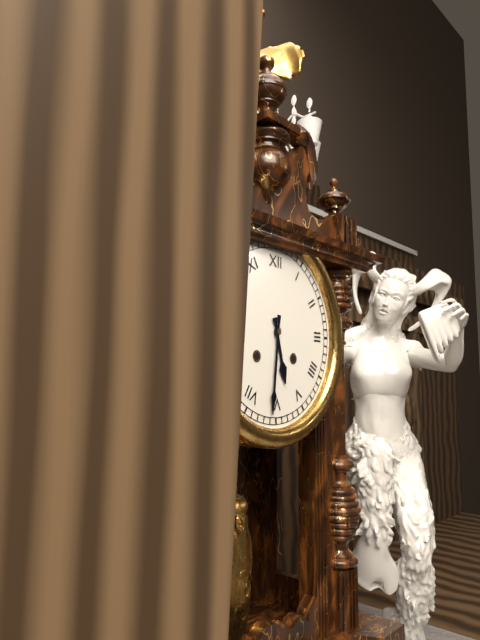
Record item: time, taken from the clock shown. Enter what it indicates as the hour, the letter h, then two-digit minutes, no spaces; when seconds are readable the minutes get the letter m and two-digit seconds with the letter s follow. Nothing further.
5h31
